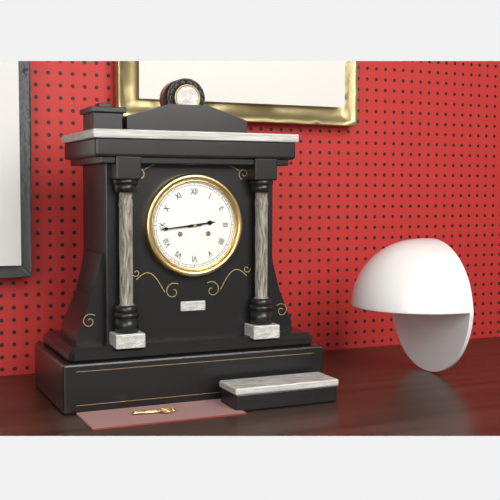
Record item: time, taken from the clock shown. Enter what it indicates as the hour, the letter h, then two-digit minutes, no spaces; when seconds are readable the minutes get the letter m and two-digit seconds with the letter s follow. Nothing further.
2h44
